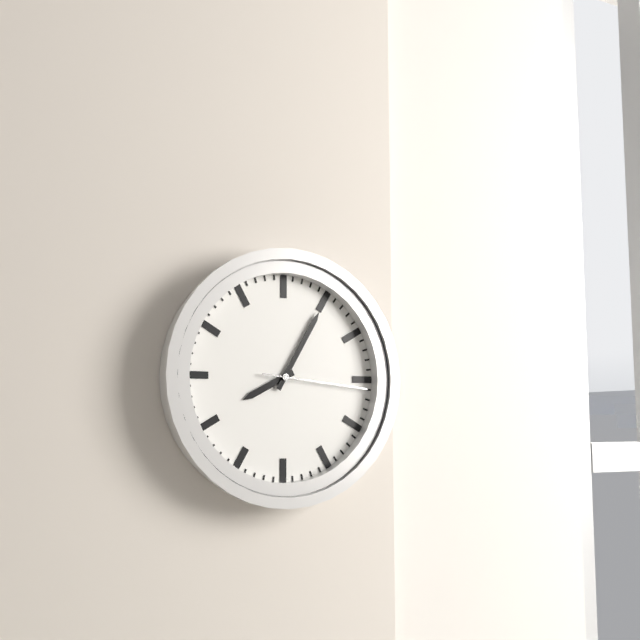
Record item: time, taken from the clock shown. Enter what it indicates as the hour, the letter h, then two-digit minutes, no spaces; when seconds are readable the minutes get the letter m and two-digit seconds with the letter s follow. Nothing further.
8h05m16s
